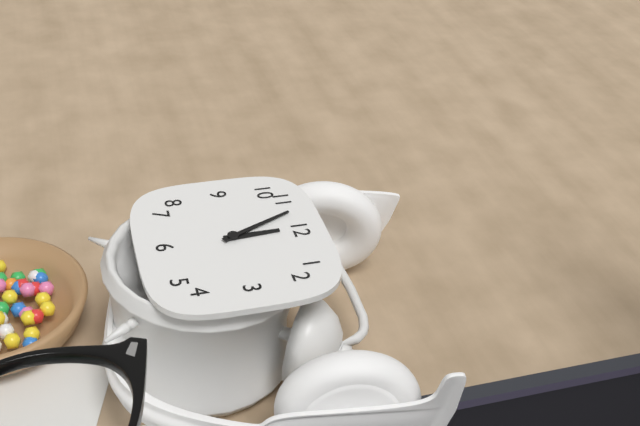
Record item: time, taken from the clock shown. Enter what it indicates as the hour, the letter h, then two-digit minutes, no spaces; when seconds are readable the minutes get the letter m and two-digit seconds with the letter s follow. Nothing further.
11h56
